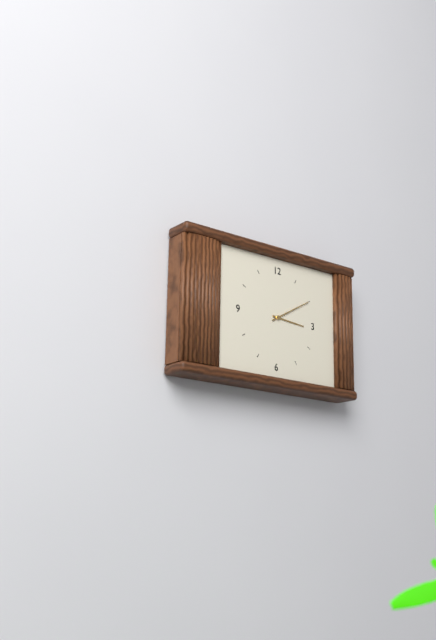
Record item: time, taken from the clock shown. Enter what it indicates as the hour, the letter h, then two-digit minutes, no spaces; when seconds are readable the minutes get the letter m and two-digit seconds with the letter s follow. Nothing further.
3h10
